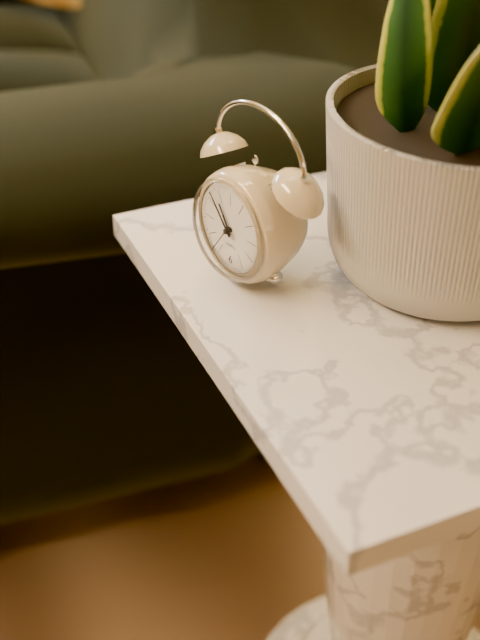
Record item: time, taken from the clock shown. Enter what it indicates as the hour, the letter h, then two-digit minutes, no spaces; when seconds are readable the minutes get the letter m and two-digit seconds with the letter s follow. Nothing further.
10h53
